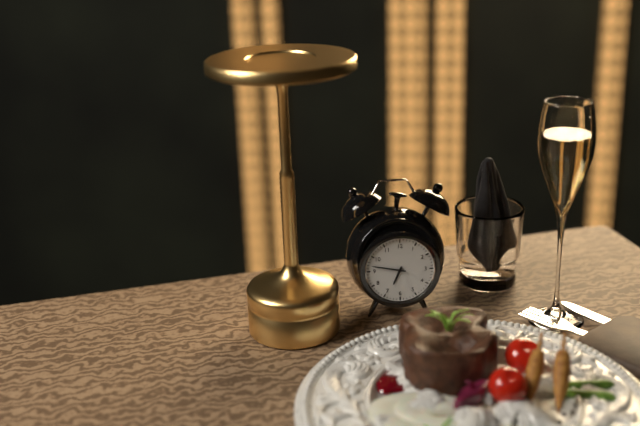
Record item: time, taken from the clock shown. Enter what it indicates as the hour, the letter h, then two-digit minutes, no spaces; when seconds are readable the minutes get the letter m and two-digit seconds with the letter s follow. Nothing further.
6h47
